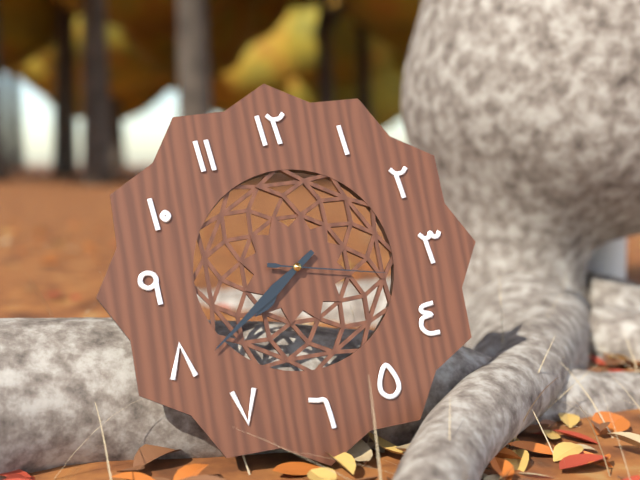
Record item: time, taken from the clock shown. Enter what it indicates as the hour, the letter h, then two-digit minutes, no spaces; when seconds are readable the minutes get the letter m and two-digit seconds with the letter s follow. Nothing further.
7h39m17s
